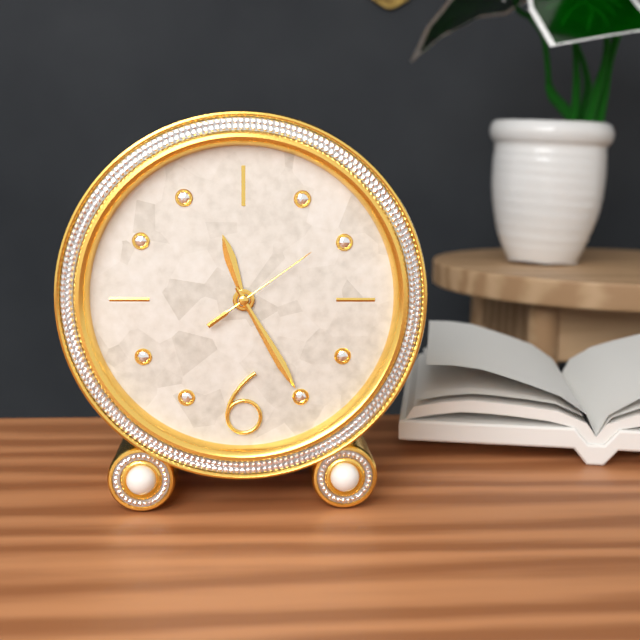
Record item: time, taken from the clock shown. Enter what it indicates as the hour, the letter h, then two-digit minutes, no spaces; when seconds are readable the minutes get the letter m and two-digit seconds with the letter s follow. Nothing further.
11h25m09s
